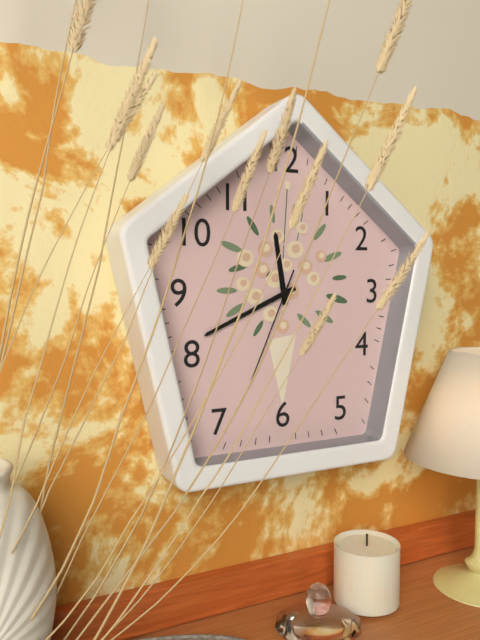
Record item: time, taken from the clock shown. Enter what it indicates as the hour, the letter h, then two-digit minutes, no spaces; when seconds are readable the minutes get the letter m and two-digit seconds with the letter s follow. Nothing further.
11h41m34s
